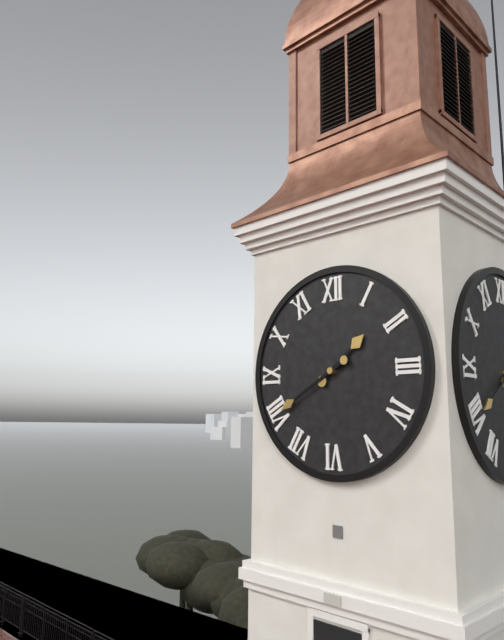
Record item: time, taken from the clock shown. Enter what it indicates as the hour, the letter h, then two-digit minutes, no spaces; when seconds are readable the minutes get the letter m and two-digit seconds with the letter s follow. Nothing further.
1h40
